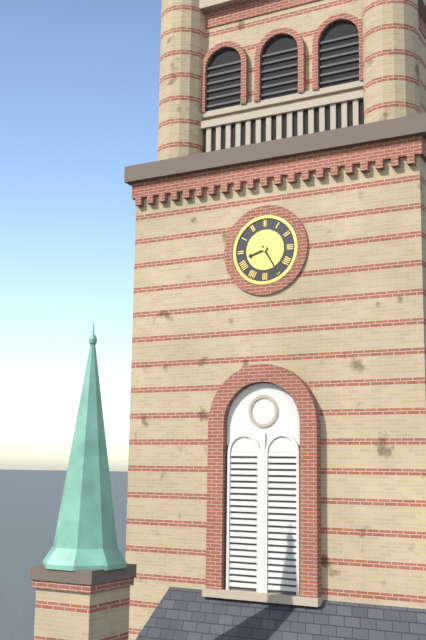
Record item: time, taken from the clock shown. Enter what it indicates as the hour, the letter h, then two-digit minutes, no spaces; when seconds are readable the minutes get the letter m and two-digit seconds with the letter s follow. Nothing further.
8h25
